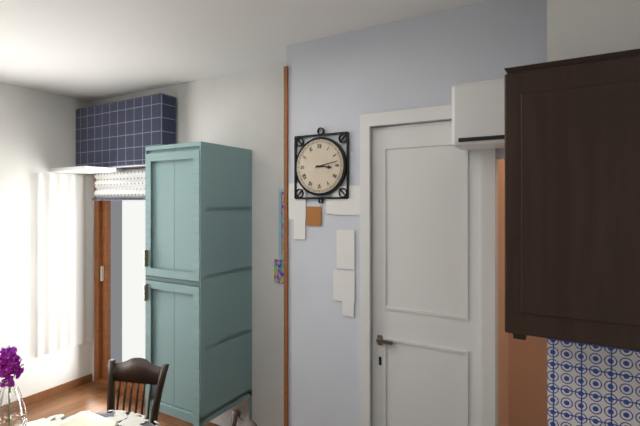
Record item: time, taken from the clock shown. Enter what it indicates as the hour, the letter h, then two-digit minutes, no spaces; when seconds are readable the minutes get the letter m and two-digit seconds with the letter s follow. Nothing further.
3h13
